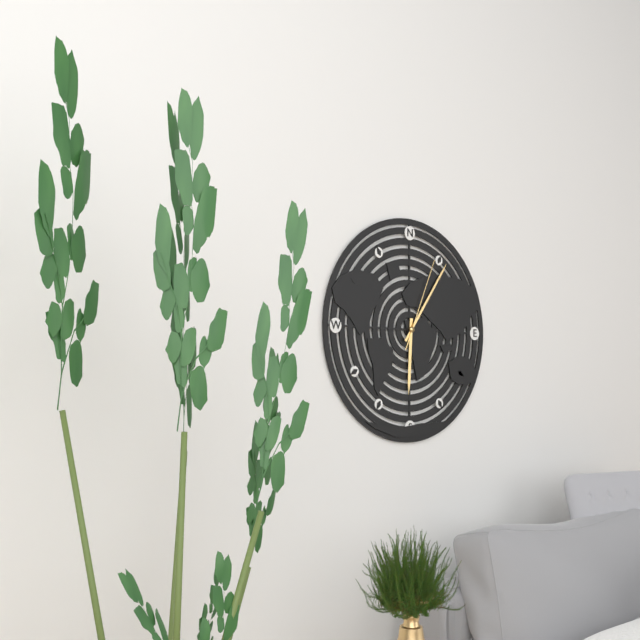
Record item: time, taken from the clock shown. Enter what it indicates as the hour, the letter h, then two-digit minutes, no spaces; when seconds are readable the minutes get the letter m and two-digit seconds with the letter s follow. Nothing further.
6h06m04s
